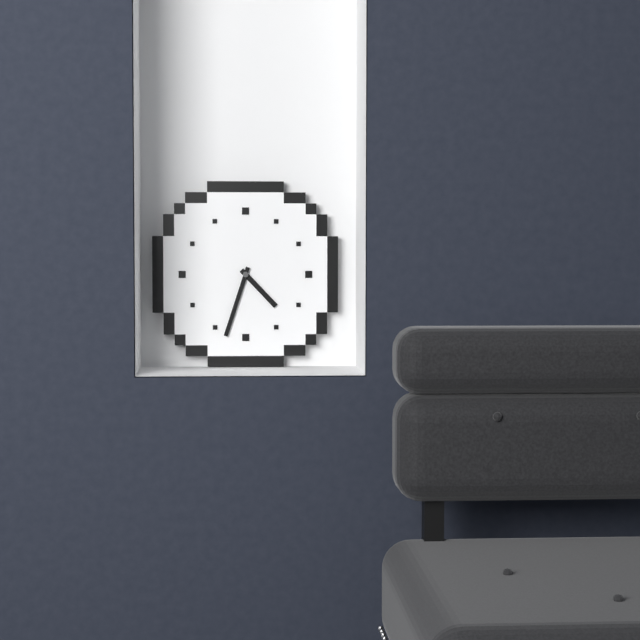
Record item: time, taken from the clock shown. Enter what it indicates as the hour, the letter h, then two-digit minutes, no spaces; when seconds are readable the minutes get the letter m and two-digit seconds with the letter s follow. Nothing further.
4h33
